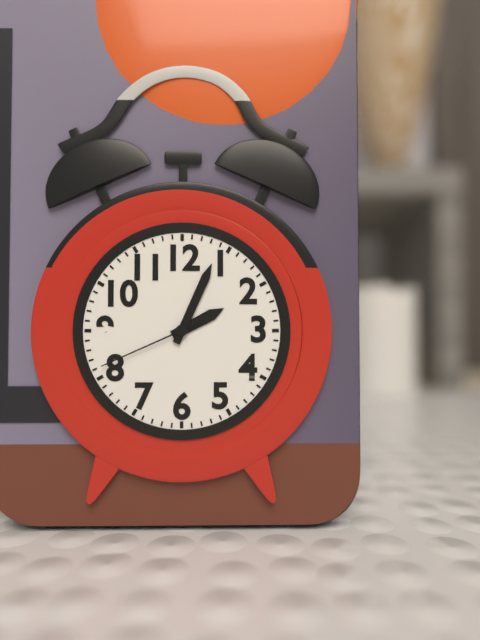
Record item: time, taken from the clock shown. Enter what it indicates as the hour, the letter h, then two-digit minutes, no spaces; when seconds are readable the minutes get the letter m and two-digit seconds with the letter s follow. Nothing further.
2h04m41s
